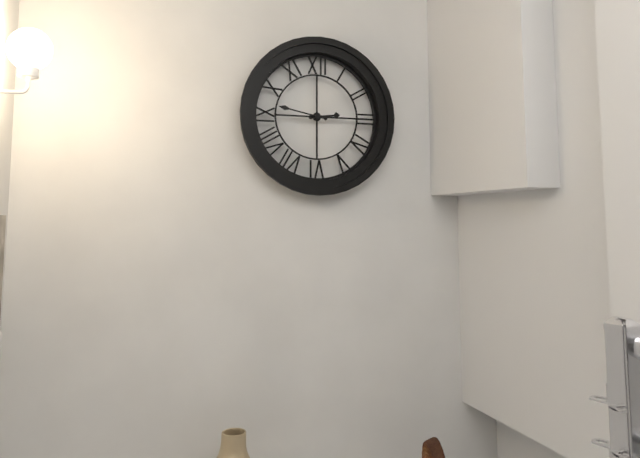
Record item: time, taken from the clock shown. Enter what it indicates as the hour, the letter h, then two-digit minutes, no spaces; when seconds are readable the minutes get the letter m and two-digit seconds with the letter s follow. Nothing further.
2h47
